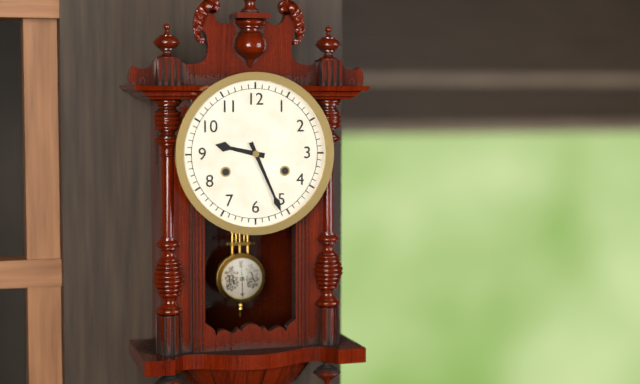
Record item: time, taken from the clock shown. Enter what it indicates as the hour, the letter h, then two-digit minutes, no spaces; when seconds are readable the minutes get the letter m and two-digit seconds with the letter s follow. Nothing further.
9h26
